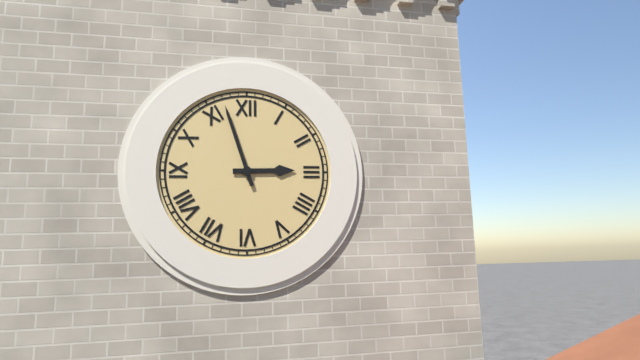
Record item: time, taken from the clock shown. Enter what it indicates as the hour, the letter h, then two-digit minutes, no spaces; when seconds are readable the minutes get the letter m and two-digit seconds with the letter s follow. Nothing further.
2h57
